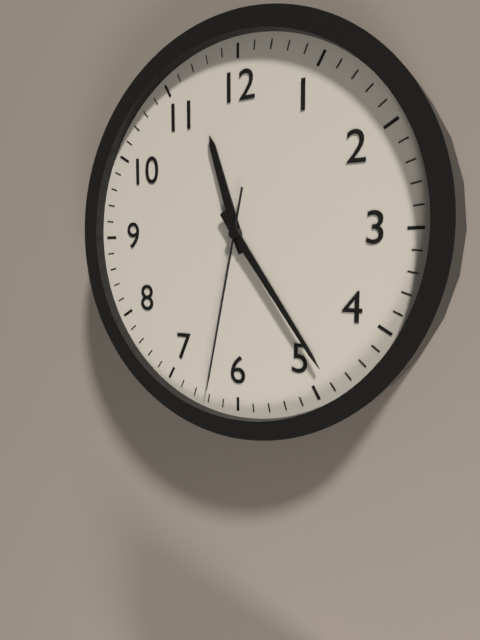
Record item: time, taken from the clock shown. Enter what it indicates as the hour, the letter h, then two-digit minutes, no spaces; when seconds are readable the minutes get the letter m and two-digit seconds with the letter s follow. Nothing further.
11h24m32s
